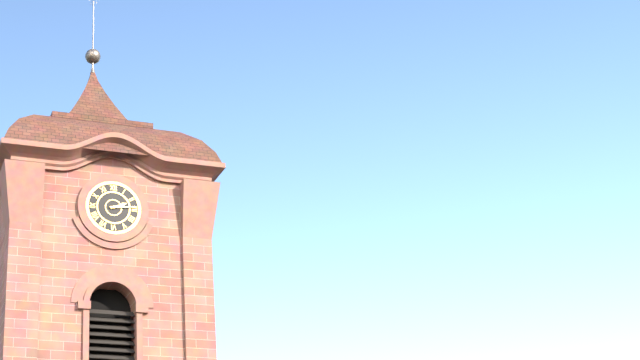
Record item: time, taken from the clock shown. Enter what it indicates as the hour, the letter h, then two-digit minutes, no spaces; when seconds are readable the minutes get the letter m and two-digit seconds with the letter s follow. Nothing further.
2h14
